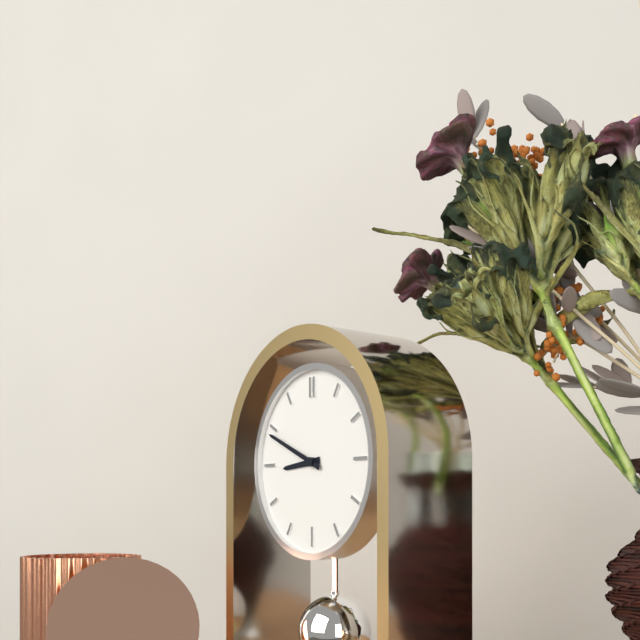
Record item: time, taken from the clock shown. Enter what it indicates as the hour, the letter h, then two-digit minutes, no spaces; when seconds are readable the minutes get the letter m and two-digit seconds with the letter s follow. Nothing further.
8h49
